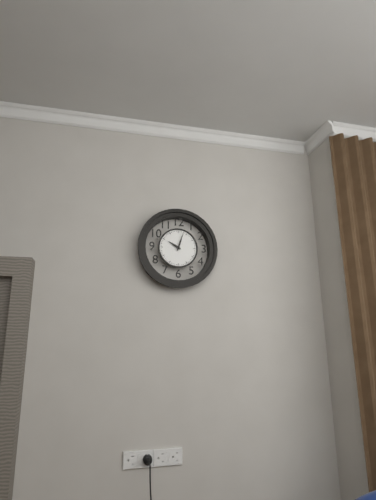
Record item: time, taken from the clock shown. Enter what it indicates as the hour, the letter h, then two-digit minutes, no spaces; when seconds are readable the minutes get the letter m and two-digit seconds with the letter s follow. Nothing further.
10h03
